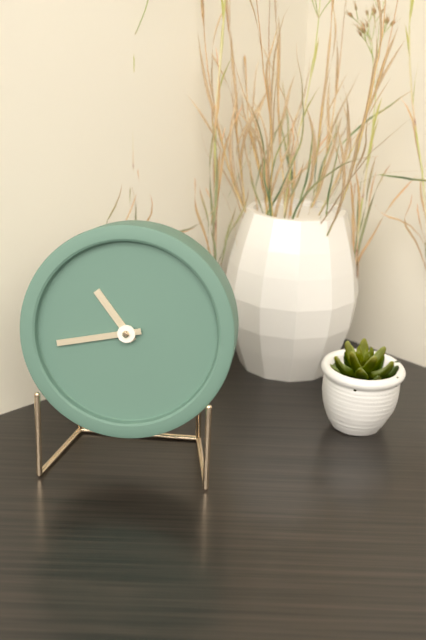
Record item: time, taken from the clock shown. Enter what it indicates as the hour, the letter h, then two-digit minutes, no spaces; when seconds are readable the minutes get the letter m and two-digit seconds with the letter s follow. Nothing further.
10h43
